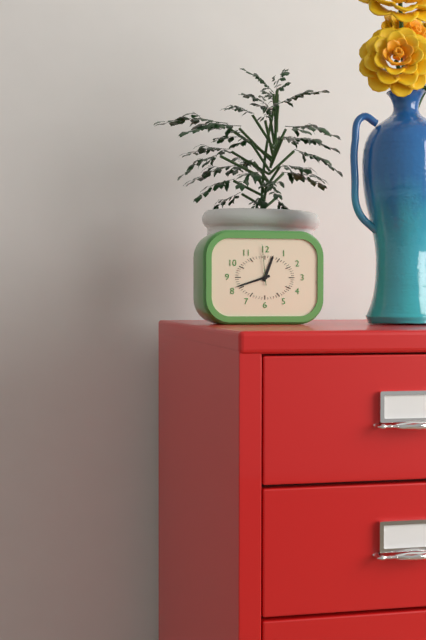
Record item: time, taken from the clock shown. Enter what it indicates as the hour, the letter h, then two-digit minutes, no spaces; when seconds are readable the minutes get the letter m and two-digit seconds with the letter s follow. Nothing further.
12h42
